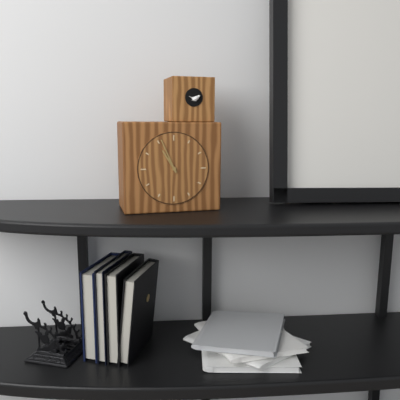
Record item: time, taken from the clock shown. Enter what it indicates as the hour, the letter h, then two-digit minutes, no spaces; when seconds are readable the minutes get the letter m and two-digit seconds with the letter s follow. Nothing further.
10h56
